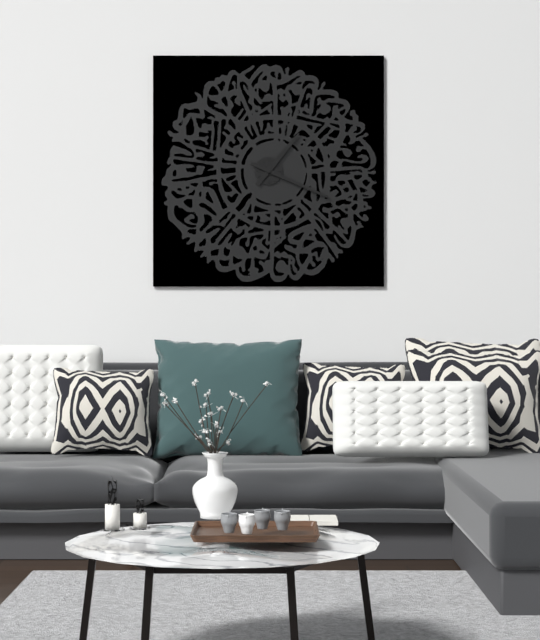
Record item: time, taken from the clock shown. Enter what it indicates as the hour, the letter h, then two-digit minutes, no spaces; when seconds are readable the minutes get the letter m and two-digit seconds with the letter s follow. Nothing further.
1h19
